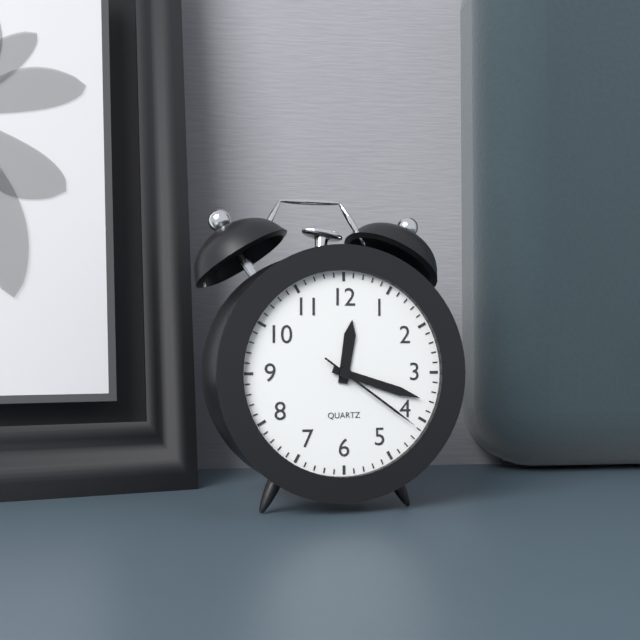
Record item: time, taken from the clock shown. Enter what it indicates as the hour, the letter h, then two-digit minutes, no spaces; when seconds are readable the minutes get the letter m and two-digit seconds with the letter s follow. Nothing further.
12h18m21s
